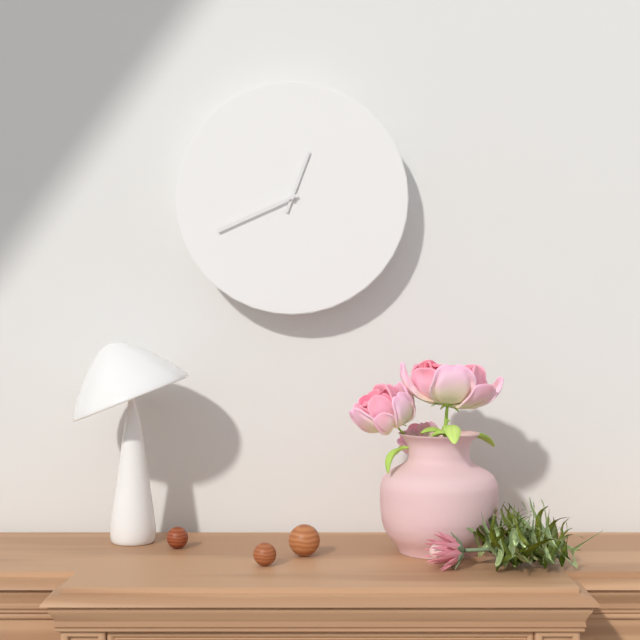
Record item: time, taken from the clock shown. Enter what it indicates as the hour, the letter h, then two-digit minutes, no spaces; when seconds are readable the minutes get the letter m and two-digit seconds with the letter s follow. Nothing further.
12h41
